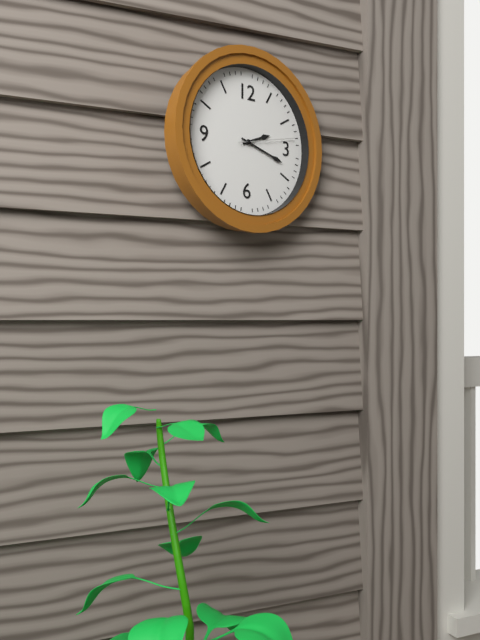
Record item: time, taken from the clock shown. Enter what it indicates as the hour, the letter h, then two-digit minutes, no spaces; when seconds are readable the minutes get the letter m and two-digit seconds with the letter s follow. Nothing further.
2h18m13s
